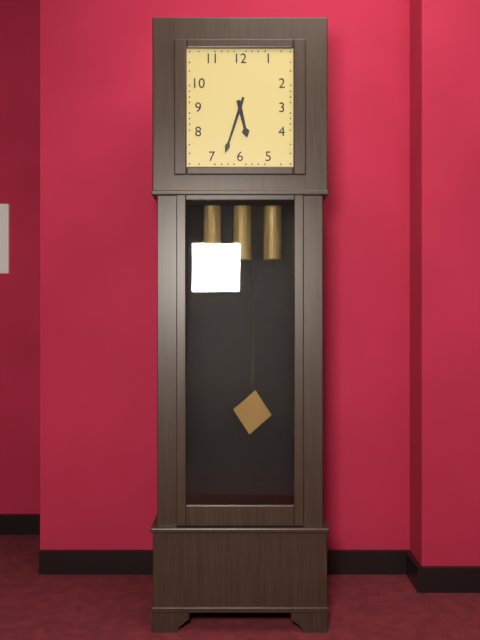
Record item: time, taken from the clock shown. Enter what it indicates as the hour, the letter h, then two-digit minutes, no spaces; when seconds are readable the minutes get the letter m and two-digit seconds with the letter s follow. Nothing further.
5h33
